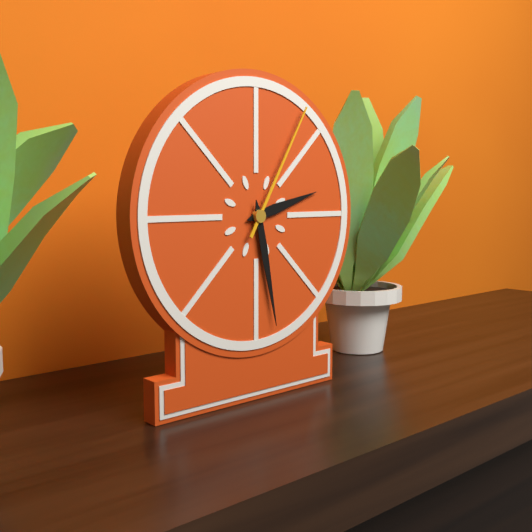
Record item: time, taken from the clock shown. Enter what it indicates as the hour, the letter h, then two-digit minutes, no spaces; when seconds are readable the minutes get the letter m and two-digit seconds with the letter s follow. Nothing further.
2h28m05s
